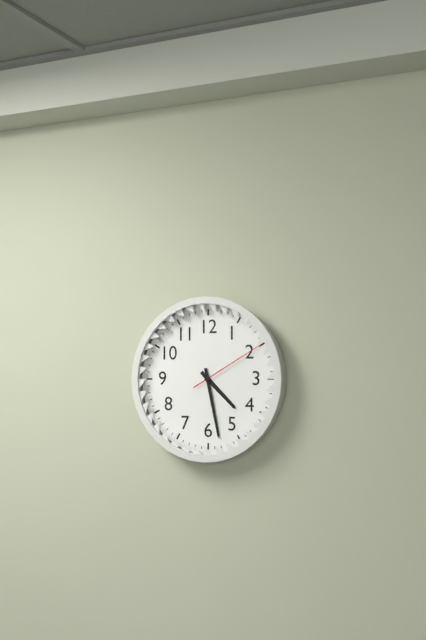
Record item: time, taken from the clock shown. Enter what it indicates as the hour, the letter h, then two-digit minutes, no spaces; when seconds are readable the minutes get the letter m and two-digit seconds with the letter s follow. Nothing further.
4h28m10s
